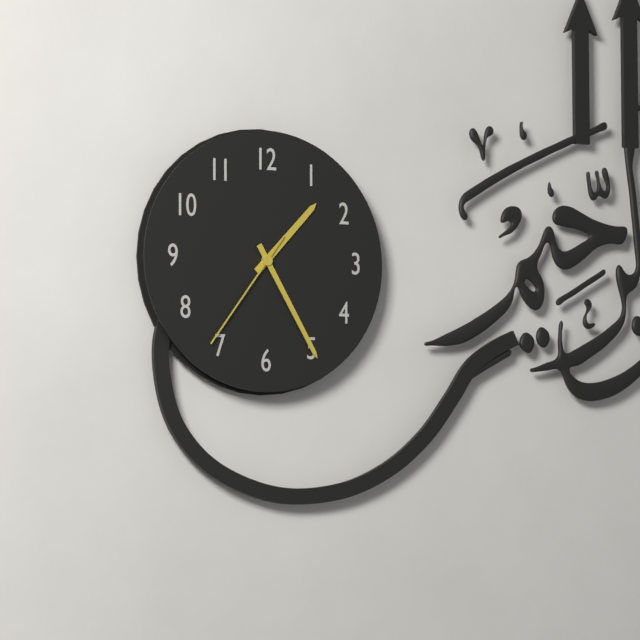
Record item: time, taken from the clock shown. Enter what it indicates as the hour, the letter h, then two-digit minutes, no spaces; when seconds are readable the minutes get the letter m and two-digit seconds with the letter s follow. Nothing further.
1h25m36s
